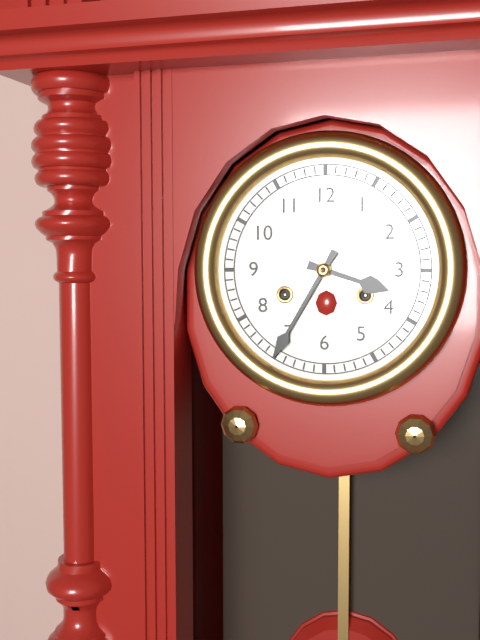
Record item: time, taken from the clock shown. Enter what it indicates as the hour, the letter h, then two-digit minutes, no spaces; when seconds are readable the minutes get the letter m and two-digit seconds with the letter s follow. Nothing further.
3h35
